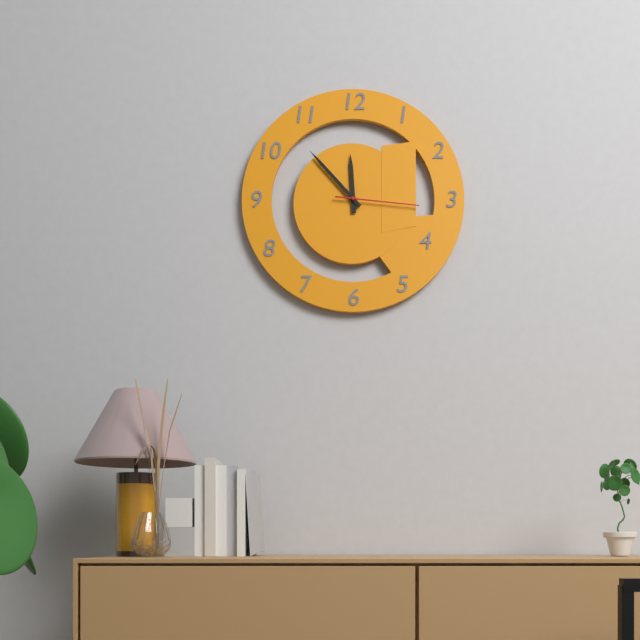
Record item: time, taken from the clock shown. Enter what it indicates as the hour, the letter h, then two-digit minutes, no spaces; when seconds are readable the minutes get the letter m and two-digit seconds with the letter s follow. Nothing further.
11h53m16s
